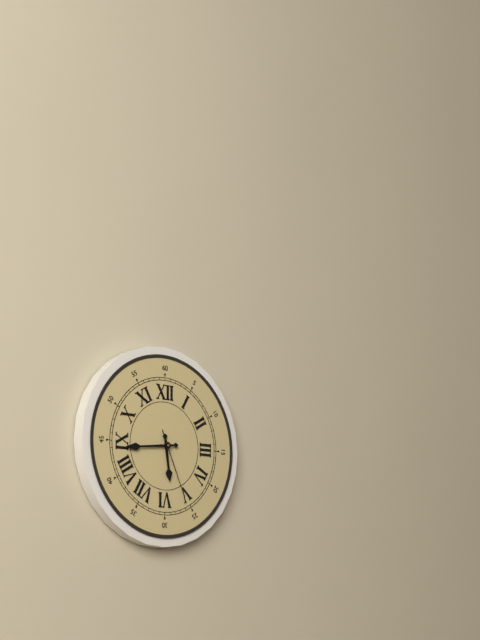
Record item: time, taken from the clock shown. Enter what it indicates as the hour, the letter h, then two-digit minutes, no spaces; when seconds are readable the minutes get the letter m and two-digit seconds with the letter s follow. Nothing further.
5h44m26s
